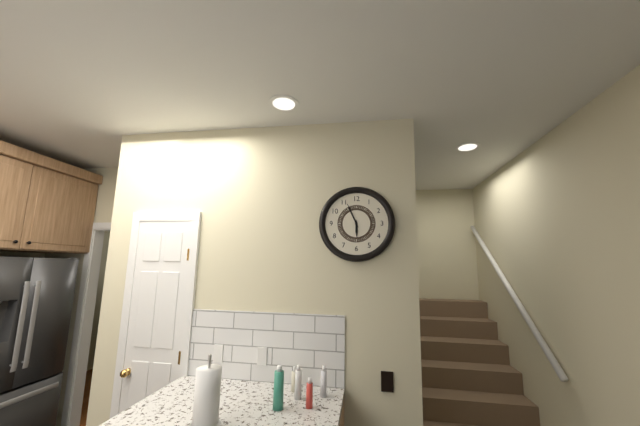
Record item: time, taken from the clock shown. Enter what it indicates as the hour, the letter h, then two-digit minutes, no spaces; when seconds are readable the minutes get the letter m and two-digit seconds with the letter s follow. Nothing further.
5h56
